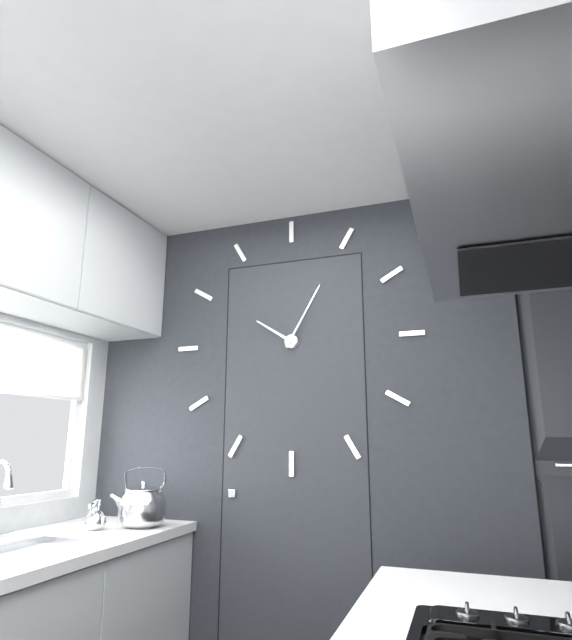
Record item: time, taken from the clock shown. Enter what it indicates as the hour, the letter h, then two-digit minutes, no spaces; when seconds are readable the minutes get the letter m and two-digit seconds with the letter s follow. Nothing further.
10h05
